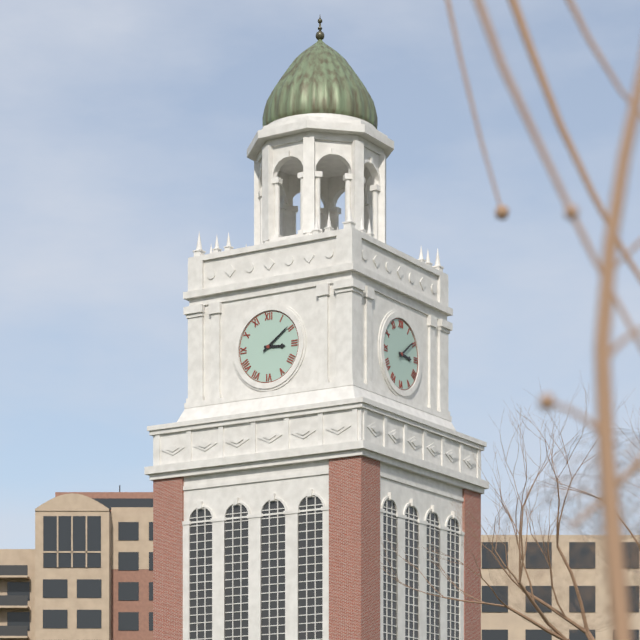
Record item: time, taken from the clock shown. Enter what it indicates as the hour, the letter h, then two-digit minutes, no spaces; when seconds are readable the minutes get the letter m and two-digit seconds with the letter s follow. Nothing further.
3h09
